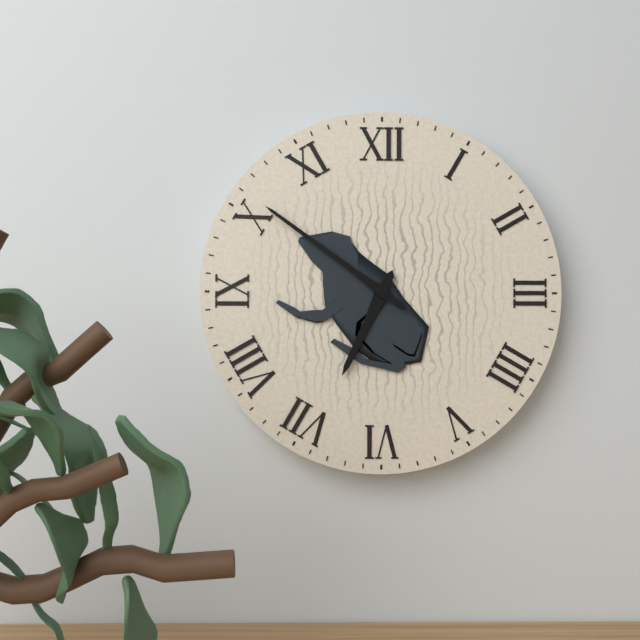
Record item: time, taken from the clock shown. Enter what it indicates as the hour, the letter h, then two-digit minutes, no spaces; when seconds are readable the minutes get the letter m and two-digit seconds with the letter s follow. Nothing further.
6h51
